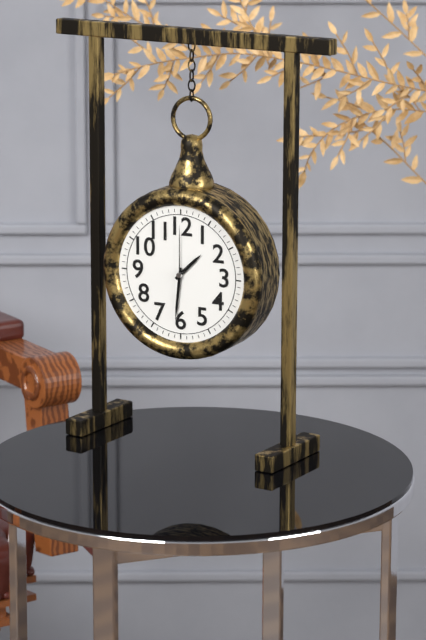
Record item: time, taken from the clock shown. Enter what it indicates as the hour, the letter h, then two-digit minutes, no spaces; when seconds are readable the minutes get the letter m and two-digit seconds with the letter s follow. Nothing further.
1h31m00s
